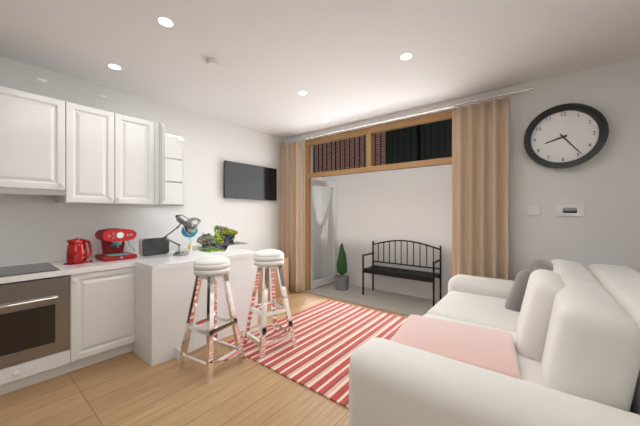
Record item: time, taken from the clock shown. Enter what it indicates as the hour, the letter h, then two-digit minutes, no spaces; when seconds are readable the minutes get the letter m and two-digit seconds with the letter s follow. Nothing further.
8h24
